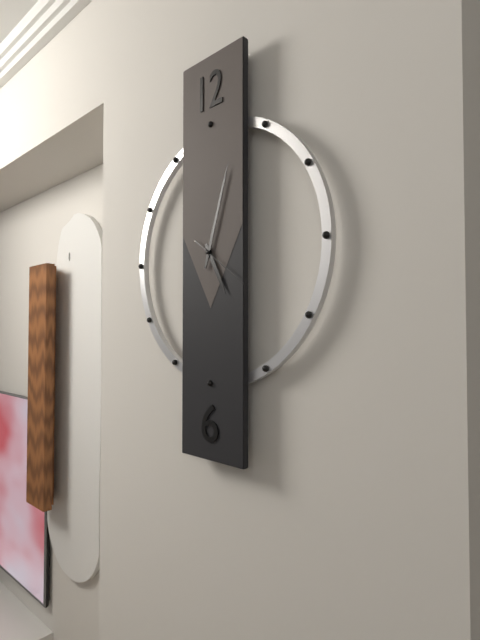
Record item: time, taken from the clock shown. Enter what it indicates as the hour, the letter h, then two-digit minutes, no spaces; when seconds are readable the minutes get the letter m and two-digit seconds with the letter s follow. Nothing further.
5h03m21s
